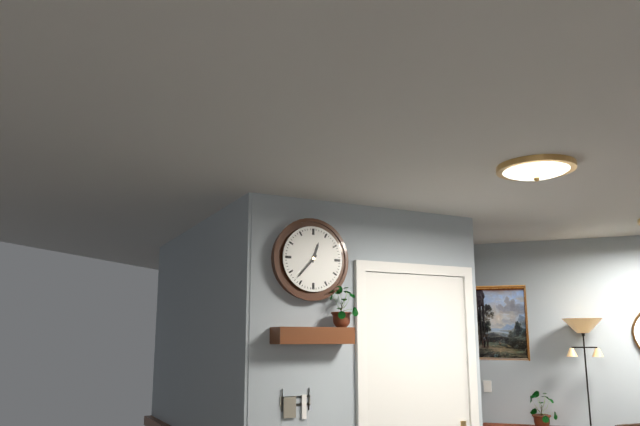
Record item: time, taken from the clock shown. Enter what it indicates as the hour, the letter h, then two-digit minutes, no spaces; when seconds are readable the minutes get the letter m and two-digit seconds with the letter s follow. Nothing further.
12h37
